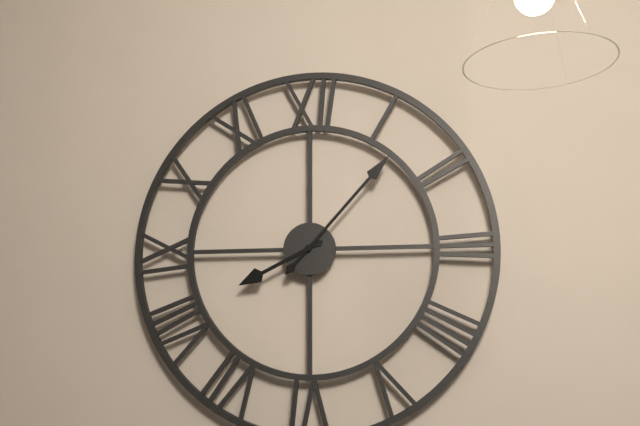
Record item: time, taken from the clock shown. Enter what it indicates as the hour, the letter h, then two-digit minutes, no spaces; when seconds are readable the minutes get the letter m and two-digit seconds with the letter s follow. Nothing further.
8h07
